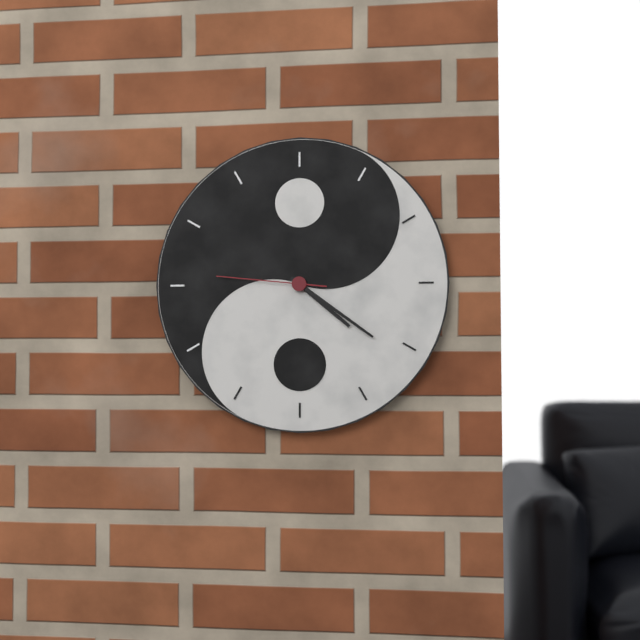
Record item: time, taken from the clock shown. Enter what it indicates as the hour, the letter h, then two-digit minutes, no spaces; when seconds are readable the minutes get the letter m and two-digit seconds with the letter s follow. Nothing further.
4h21m46s
